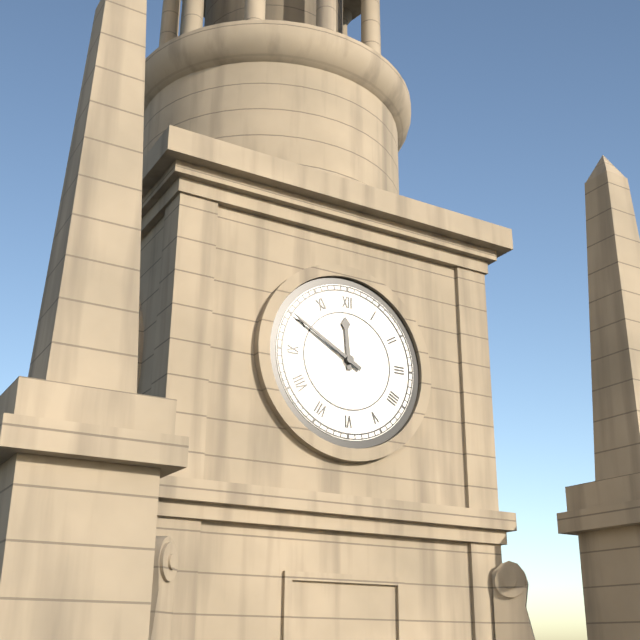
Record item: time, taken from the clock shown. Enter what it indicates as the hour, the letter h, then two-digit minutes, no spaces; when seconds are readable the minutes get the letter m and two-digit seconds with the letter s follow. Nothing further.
11h50
